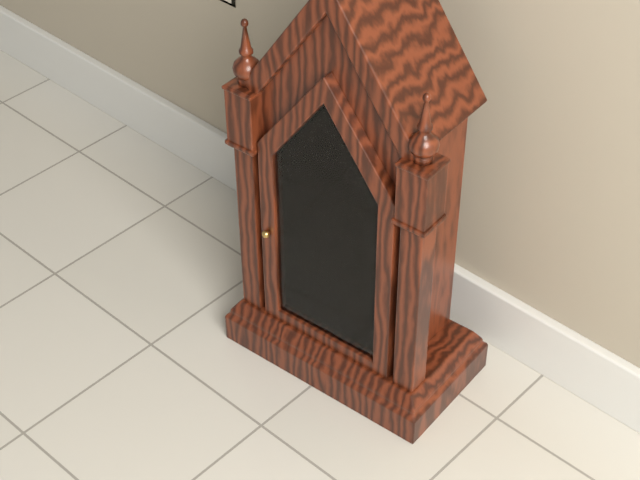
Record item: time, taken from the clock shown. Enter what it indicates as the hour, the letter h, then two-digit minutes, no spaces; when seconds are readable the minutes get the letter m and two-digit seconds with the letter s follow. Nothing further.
7h54
